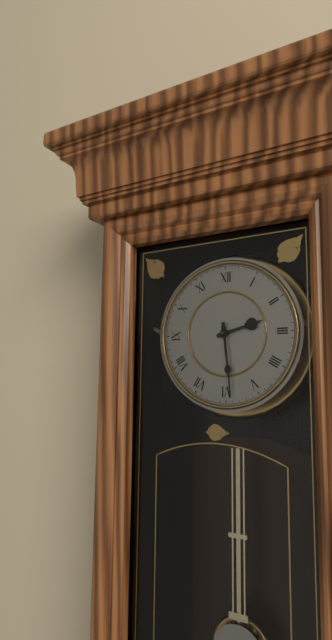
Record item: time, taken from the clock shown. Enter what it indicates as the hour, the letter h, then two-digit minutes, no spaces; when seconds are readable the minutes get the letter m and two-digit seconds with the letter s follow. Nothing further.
2h29
